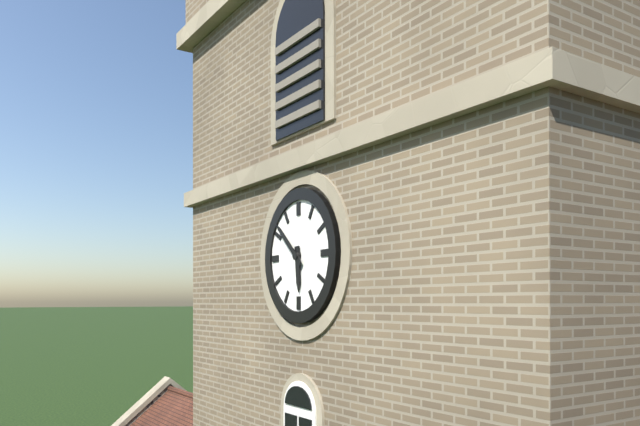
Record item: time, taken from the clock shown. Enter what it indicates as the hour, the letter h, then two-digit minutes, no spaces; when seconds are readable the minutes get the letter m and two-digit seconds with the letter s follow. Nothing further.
5h52
